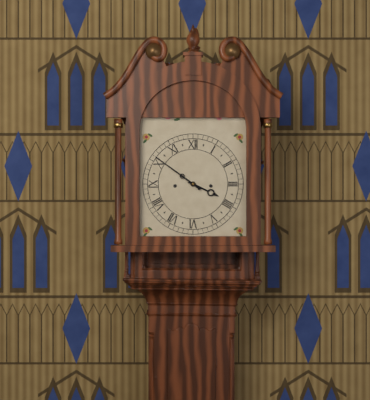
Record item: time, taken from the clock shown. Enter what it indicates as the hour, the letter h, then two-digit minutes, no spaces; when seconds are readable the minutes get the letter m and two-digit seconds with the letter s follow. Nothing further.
3h51
